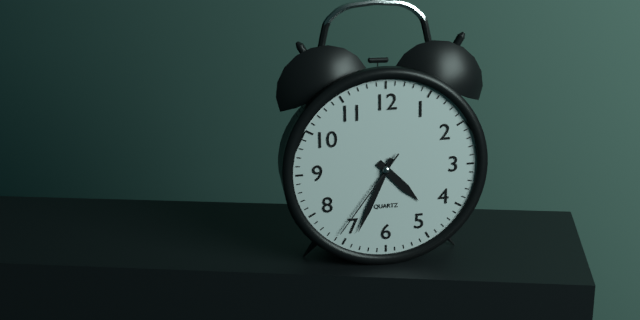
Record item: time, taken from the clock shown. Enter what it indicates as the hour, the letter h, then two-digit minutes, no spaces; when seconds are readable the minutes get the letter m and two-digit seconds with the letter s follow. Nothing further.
4h34m36s
